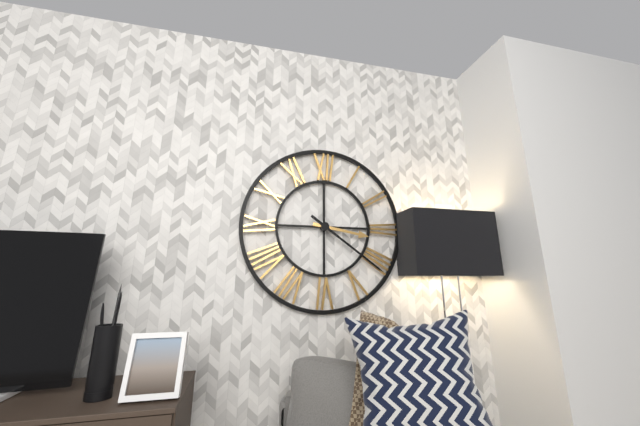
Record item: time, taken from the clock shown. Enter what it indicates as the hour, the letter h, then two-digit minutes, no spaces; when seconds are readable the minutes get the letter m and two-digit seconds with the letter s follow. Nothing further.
3h21
